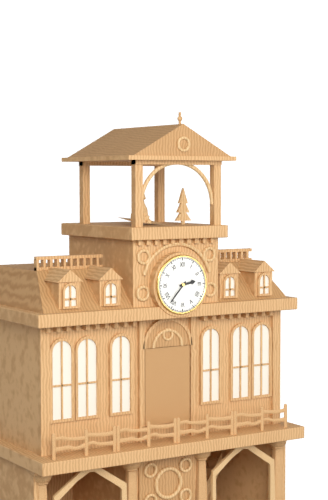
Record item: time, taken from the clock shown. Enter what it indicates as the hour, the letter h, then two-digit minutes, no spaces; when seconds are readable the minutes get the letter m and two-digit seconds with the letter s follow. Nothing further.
2h37
